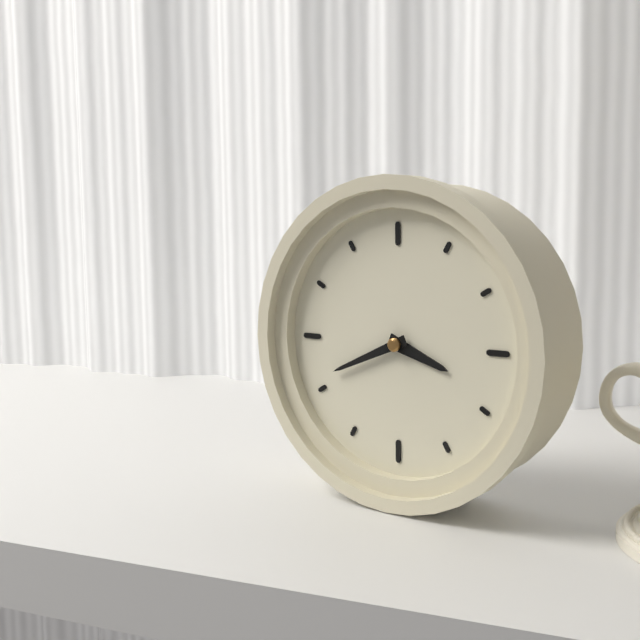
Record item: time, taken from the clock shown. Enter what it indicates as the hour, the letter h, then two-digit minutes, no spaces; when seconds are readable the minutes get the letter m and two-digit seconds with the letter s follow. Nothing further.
3h41
